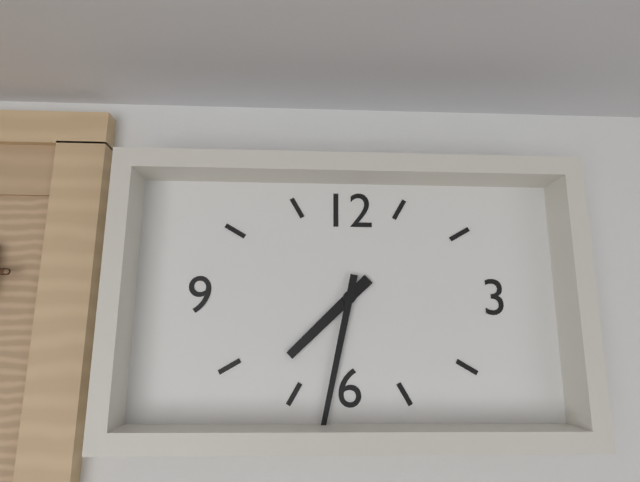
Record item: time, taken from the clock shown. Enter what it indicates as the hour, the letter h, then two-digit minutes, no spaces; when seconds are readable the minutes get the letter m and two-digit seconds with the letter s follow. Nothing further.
7h32
